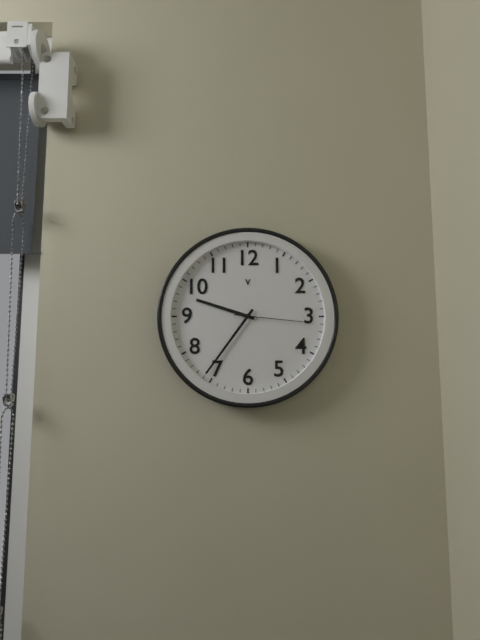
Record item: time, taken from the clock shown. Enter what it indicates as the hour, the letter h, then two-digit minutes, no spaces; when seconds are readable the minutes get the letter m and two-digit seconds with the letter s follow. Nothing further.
9h36m16s
